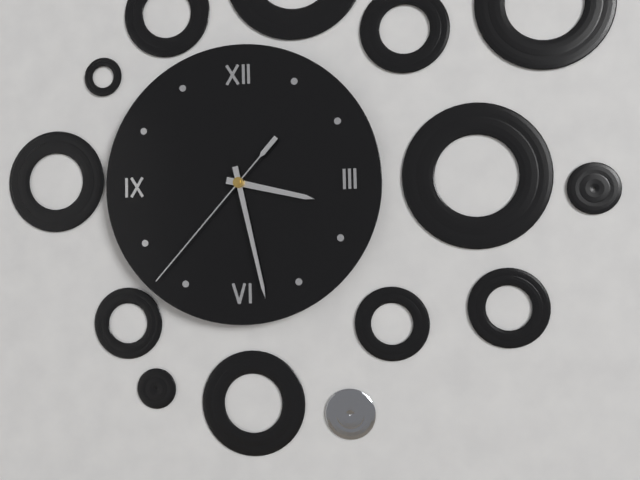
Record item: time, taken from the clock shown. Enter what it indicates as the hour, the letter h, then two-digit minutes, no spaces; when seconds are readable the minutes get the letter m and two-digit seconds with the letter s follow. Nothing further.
3h28m37s
